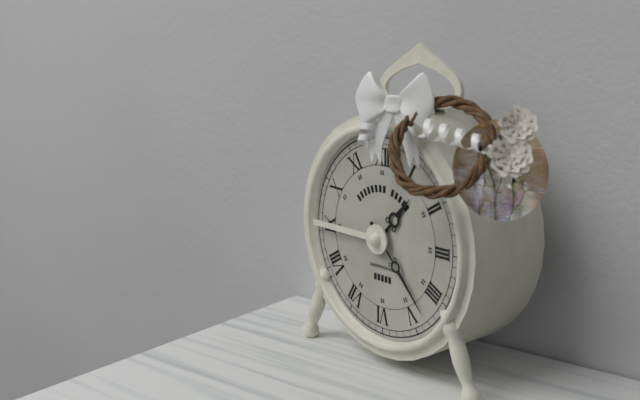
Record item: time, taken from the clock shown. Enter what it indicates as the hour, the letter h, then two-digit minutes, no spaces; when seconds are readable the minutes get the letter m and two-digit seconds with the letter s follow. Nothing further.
1h23
